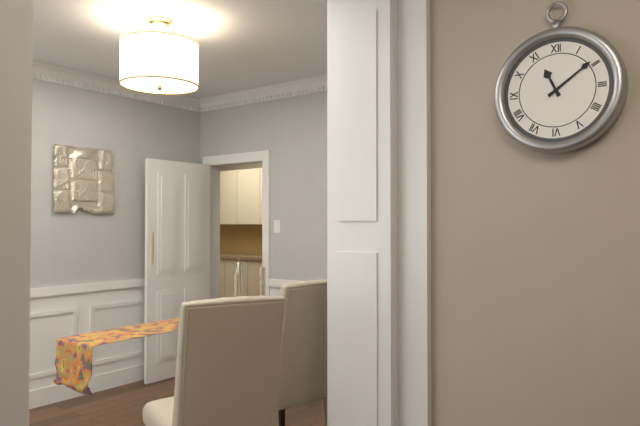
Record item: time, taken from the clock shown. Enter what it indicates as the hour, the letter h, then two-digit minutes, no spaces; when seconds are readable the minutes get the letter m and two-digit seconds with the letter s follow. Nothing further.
11h09
